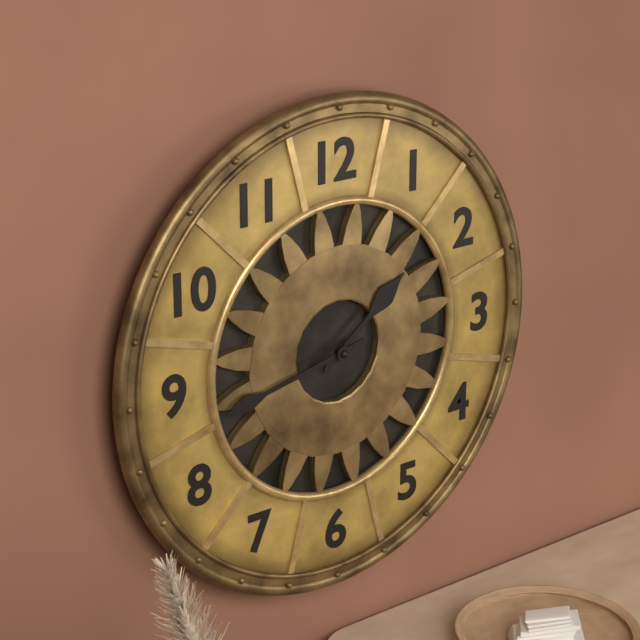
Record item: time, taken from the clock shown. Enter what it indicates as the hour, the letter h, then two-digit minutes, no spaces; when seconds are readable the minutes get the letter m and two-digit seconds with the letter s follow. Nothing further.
1h43
